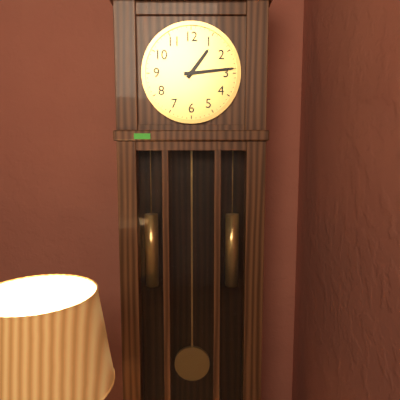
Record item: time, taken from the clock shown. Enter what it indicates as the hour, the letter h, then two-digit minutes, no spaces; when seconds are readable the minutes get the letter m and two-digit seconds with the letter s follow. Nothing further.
1h14
